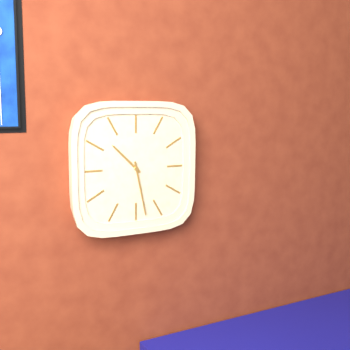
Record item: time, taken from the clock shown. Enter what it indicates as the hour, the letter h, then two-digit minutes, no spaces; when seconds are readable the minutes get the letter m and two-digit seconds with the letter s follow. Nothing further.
10h28
